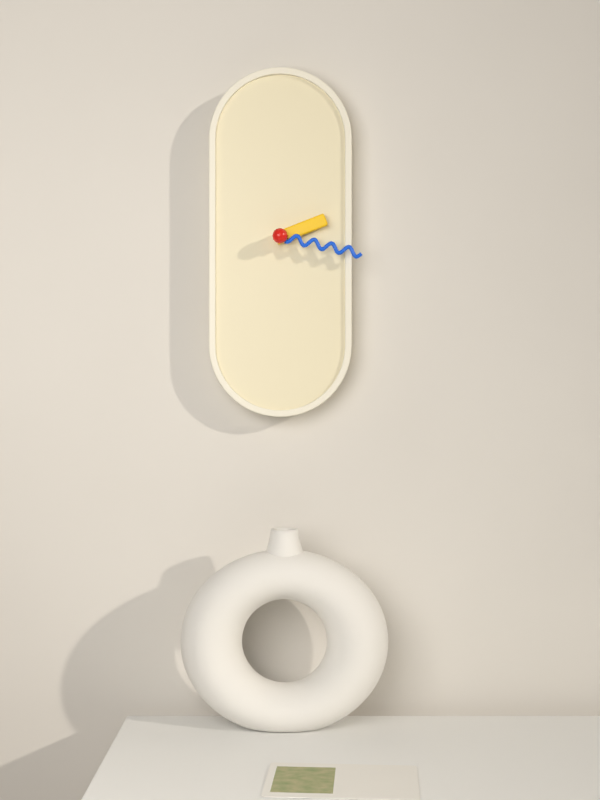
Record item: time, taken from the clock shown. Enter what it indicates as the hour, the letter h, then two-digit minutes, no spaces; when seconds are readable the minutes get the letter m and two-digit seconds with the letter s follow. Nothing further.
2h17
